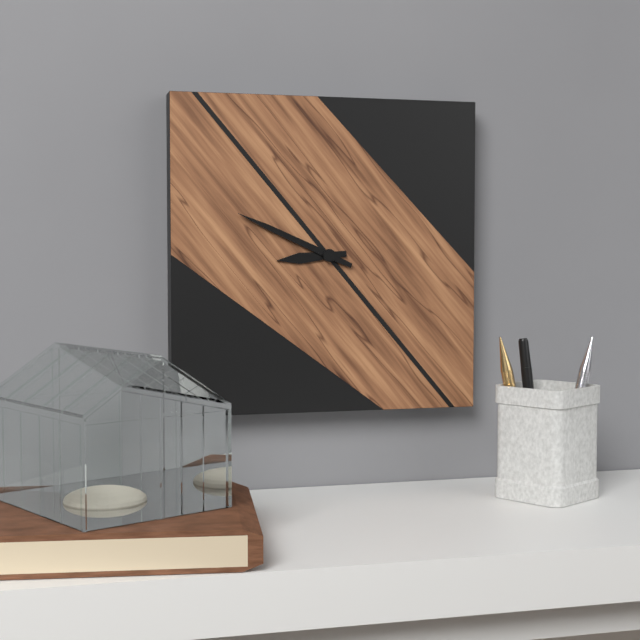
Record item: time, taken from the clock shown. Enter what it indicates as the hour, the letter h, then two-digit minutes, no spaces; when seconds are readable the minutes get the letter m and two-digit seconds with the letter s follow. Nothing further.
8h49
